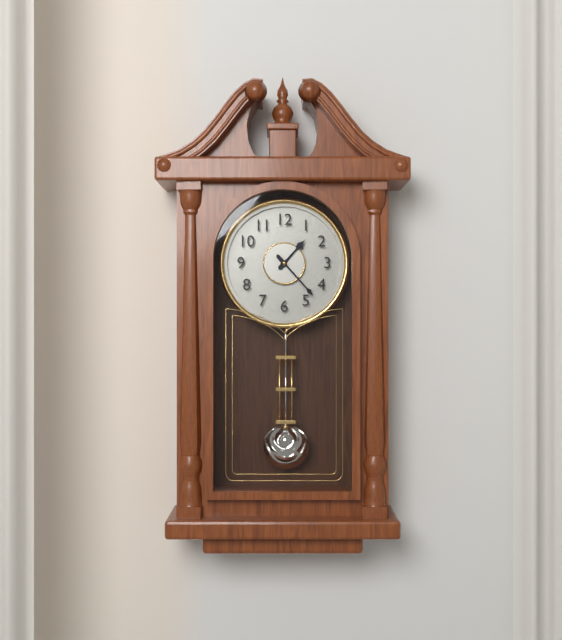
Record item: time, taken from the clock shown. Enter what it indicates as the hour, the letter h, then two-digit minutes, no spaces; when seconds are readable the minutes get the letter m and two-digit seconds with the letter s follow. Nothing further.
1h23
